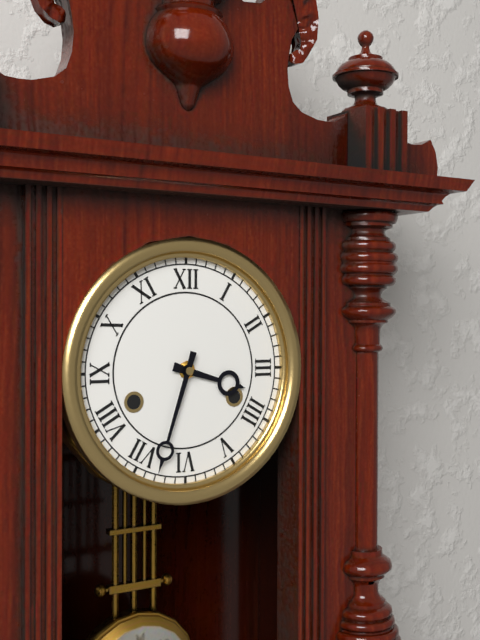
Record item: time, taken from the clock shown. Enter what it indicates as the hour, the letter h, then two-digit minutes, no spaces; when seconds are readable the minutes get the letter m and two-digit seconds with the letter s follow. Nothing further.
3h33
